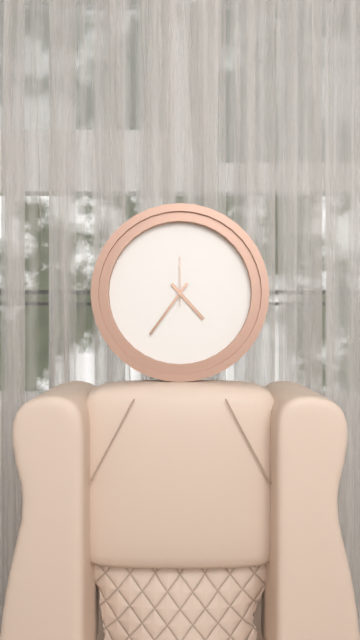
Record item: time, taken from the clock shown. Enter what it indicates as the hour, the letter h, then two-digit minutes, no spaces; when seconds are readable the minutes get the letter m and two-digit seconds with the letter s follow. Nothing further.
4h36
